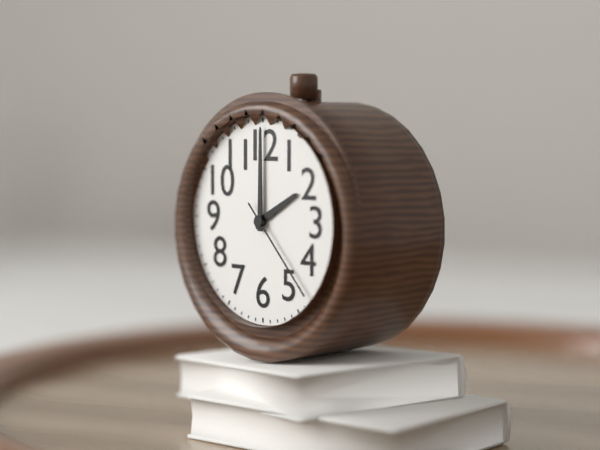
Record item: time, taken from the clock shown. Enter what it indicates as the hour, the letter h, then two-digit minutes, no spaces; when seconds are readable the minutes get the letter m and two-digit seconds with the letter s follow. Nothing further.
2h00m23s
